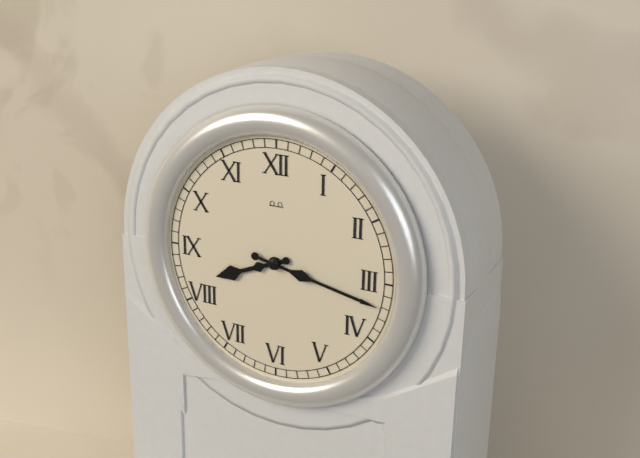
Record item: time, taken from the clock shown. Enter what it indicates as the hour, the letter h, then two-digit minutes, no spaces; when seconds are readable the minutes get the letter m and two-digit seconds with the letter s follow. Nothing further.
8h17
